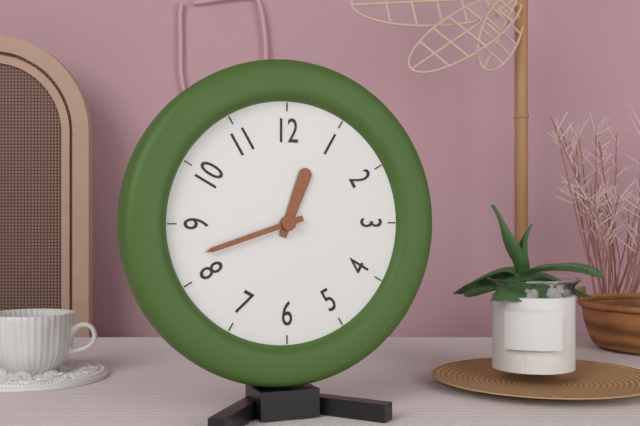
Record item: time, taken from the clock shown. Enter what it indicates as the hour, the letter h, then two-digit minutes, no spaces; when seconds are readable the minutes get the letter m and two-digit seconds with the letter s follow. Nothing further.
12h42
